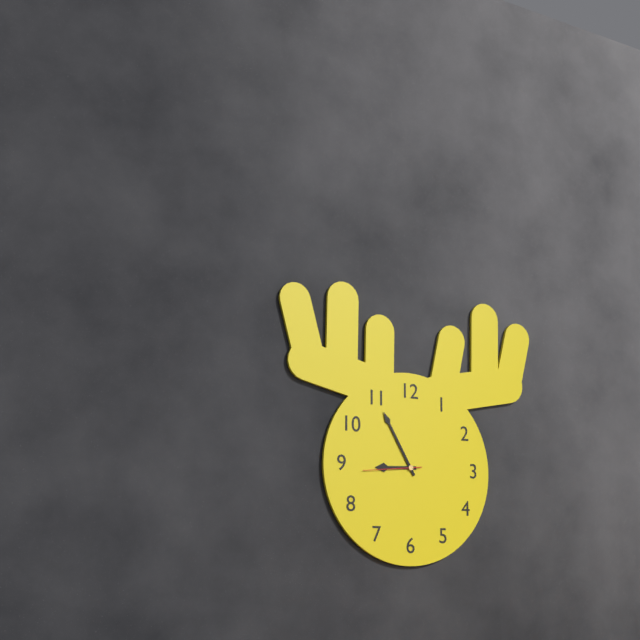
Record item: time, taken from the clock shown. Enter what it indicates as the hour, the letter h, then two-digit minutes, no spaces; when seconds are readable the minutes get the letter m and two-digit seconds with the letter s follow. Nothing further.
8h55m44s
